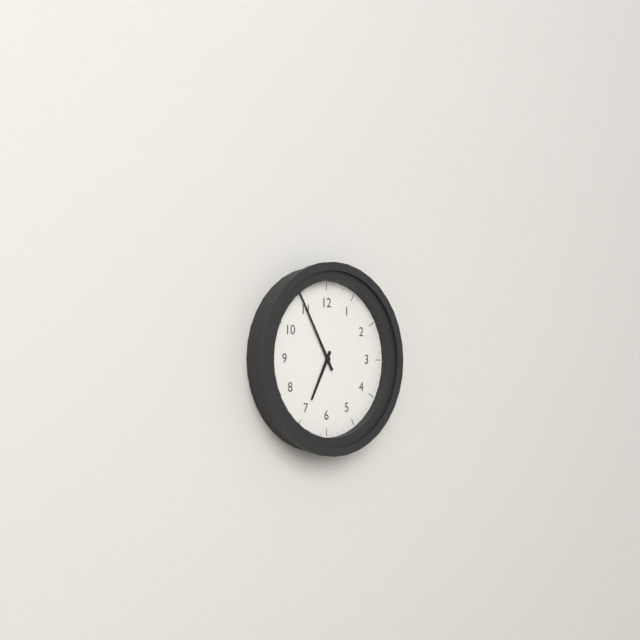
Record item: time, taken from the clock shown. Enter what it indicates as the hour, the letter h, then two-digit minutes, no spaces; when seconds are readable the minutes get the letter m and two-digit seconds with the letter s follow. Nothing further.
6h55
